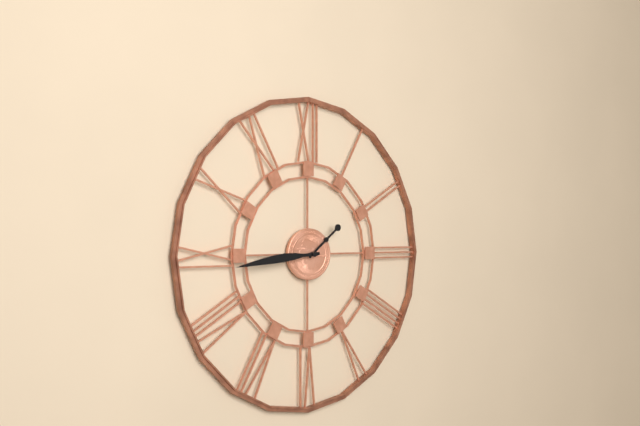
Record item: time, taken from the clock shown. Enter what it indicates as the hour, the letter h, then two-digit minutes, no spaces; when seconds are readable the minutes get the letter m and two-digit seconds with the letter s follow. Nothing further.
1h44
